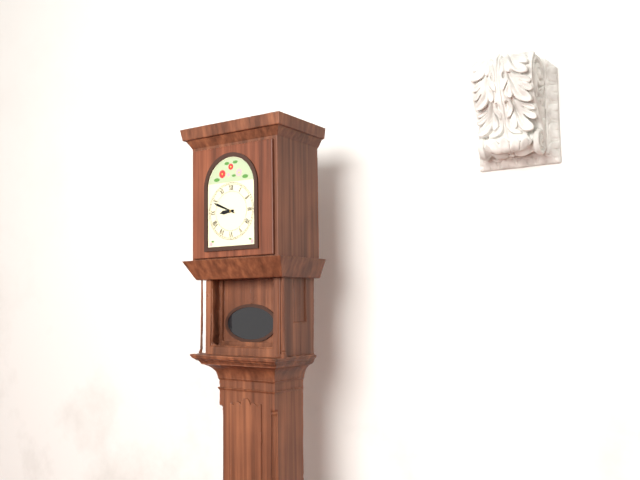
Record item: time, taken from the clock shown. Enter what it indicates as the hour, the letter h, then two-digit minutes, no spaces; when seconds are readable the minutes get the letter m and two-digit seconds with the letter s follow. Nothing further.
8h49
